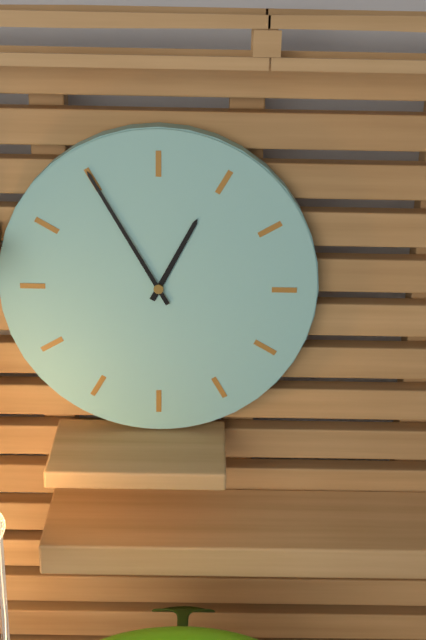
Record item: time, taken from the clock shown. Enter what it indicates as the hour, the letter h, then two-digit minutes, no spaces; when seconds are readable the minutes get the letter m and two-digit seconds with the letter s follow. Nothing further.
12h55
